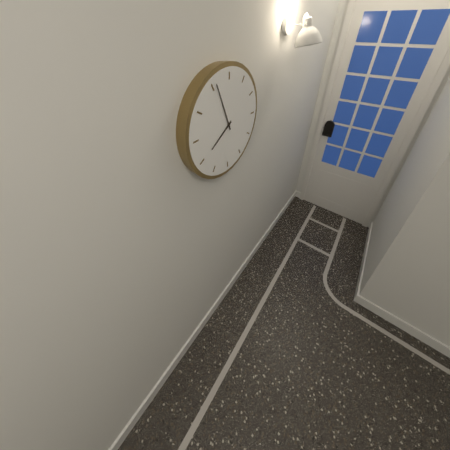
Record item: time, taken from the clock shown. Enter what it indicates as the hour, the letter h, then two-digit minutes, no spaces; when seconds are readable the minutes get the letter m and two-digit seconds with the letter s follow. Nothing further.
7h56
